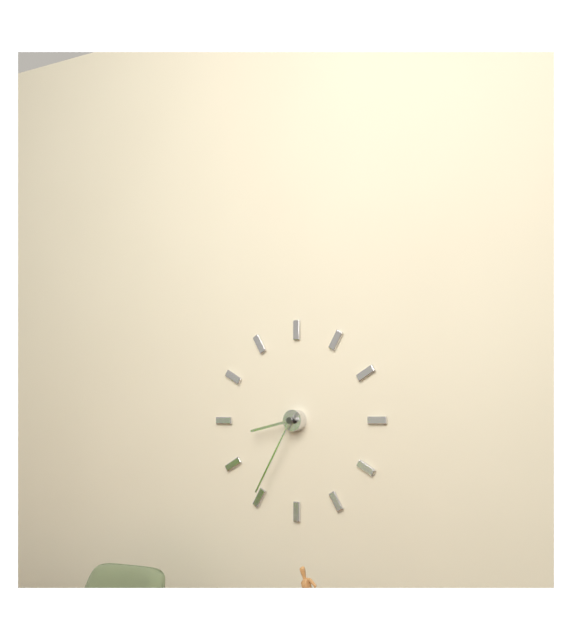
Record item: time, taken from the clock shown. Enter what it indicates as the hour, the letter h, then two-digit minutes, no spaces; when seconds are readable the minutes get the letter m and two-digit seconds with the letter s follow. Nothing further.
8h35
